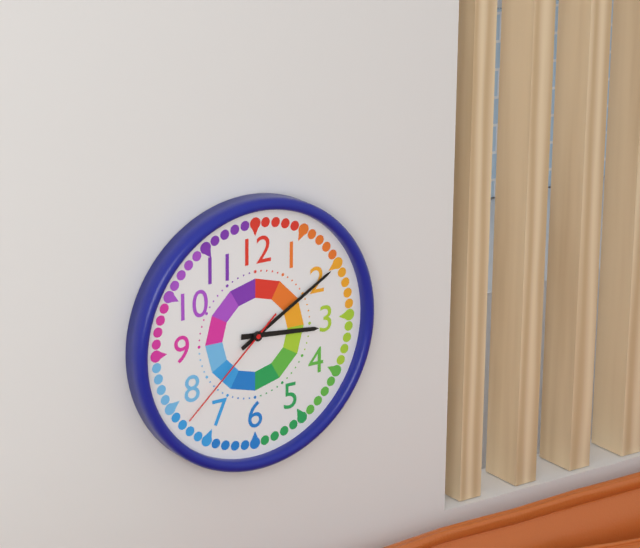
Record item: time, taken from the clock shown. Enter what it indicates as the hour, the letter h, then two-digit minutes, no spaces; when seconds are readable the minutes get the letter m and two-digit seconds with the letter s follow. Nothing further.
3h10m38s
